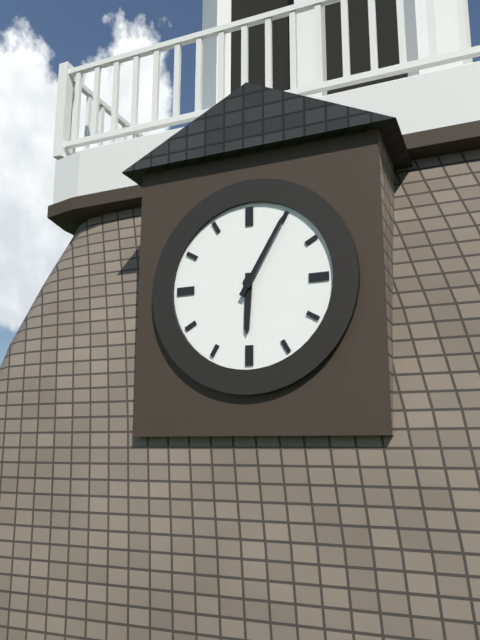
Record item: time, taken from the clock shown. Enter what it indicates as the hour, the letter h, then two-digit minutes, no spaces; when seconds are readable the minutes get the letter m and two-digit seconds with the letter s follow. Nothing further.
6h05
